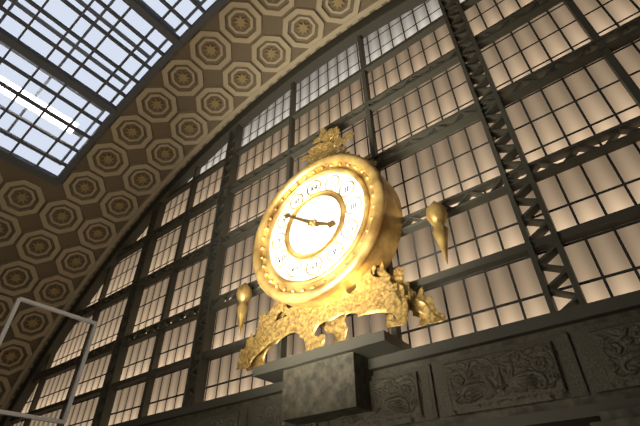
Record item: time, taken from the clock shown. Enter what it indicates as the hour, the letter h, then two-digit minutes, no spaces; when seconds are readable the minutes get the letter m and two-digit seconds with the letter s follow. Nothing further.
3h51
